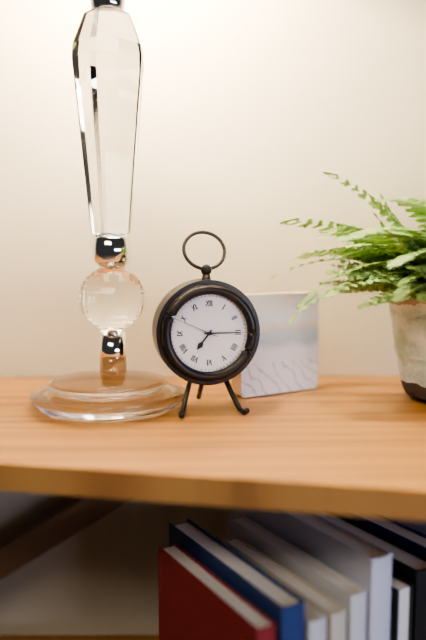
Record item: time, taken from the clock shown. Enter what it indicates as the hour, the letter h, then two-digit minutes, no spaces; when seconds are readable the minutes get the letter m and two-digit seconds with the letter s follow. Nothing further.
7h15
